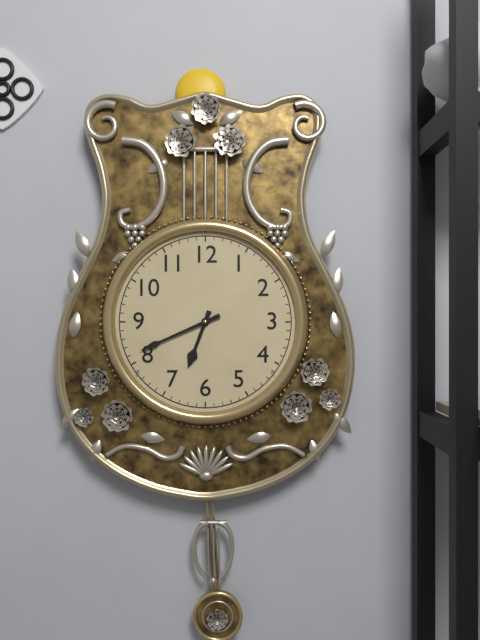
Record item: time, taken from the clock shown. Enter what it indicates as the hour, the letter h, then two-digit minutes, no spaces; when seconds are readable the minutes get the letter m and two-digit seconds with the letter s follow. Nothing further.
6h41
